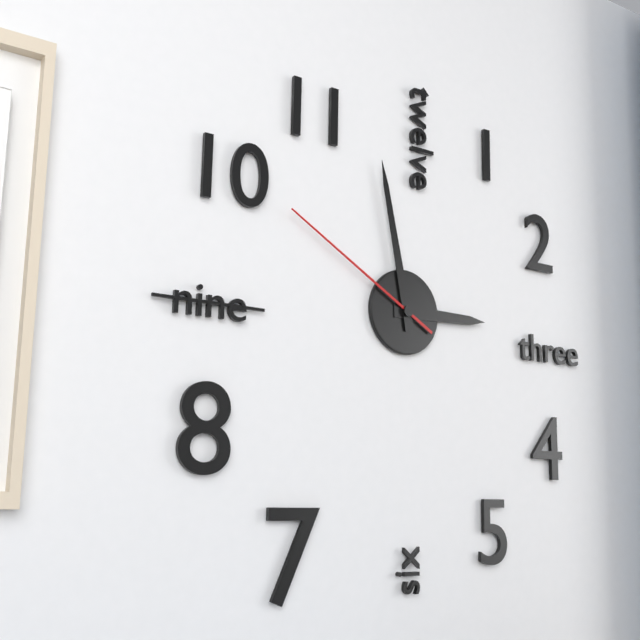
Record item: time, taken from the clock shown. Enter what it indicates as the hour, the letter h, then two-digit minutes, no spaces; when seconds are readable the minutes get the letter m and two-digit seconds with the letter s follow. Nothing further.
2h58m50s
